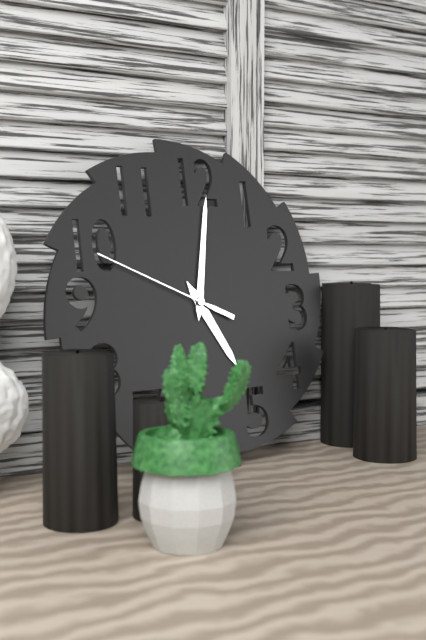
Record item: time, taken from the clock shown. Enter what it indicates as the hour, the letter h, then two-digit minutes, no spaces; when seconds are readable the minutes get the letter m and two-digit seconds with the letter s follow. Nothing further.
5h02m49s
